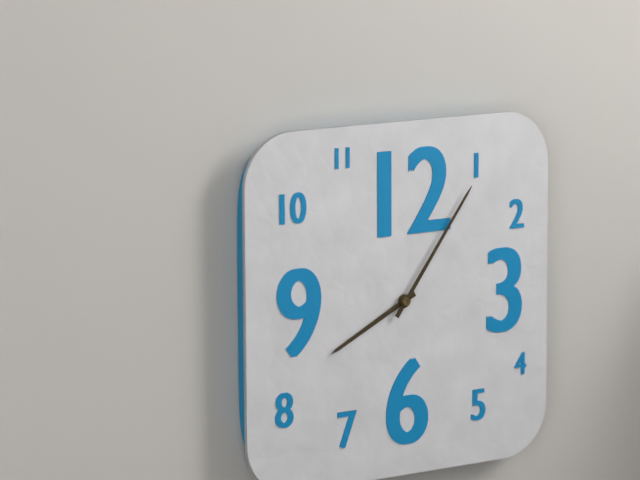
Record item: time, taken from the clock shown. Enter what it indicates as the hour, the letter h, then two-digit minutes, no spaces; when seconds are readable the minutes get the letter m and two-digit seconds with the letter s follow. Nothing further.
8h06
